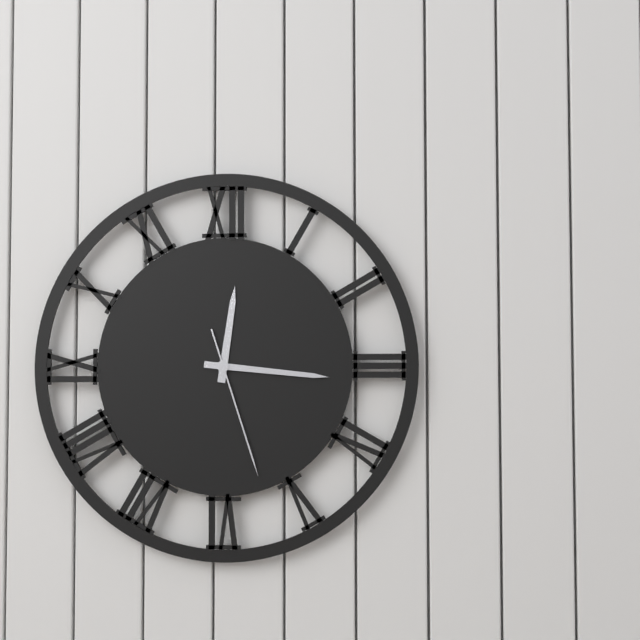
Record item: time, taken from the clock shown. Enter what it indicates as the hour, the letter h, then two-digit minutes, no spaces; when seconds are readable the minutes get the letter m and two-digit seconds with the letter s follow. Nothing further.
12h16m27s
